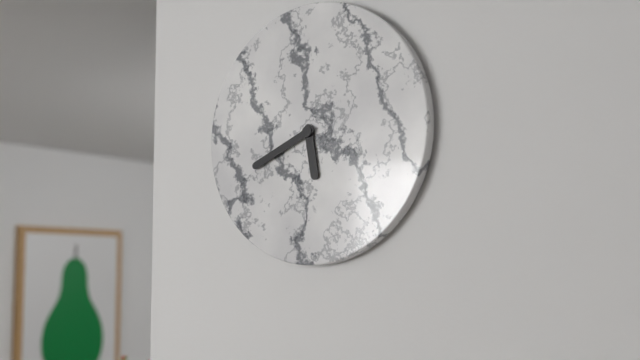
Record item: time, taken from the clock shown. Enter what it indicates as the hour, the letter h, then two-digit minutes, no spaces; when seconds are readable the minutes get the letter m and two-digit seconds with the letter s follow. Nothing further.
5h41
